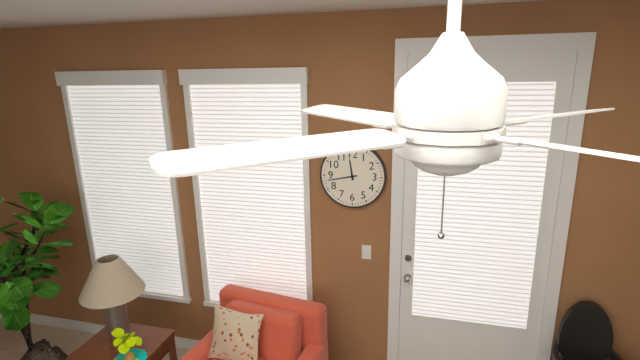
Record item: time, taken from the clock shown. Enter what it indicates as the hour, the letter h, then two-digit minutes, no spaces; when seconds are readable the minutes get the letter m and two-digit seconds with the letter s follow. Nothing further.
11h43
